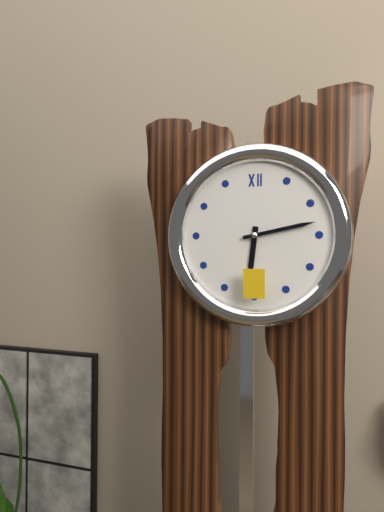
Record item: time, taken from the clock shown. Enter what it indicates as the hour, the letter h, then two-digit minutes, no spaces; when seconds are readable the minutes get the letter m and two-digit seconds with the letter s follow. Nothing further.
6h13
